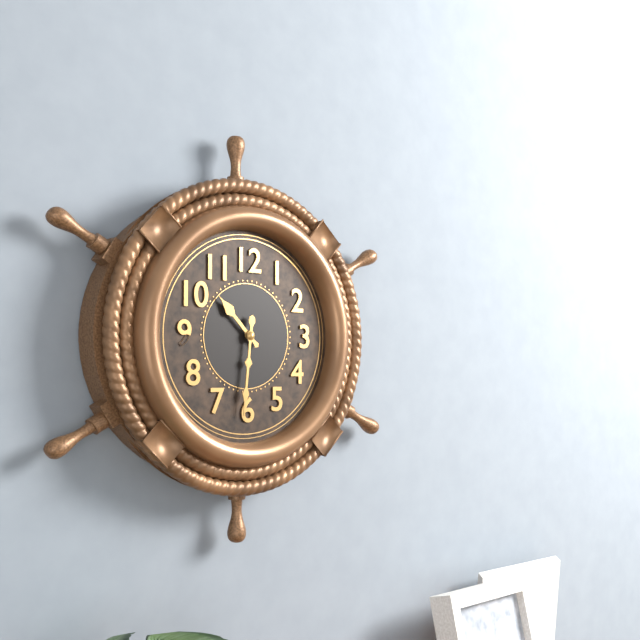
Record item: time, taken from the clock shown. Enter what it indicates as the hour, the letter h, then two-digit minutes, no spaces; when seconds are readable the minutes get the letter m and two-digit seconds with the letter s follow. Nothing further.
10h31
